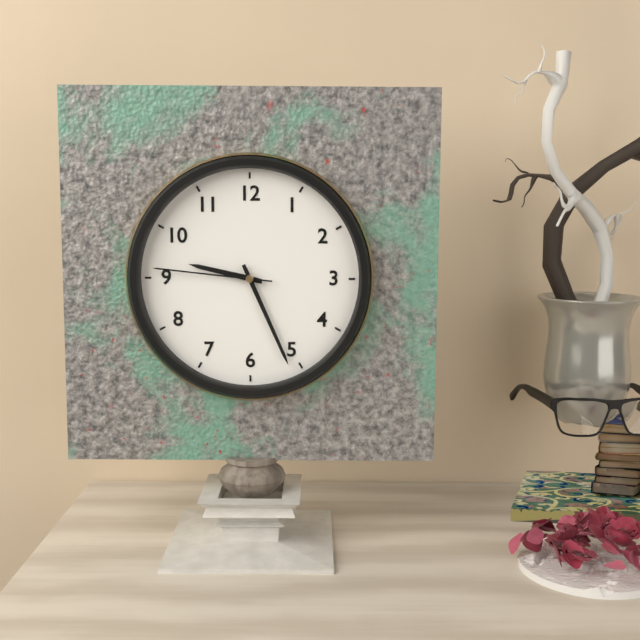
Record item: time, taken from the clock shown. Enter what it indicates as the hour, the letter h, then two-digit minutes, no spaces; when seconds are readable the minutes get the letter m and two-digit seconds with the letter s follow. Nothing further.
9h26m46s
